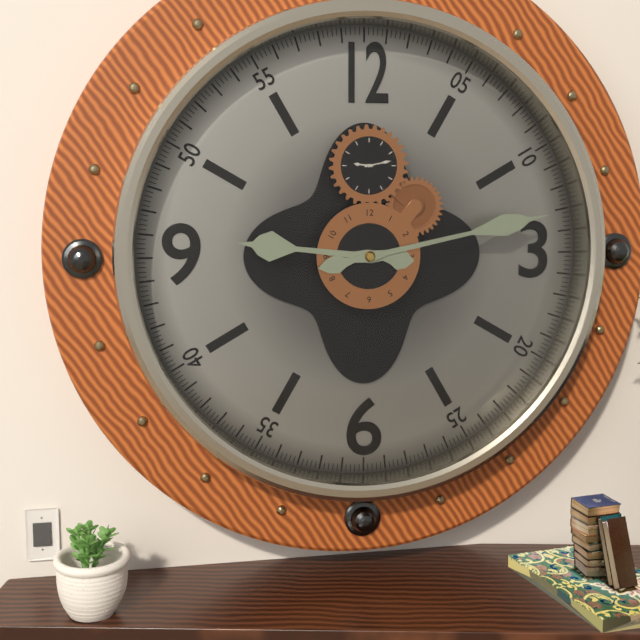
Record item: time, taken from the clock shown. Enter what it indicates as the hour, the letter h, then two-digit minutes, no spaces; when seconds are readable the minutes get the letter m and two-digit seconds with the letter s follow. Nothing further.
9h13
